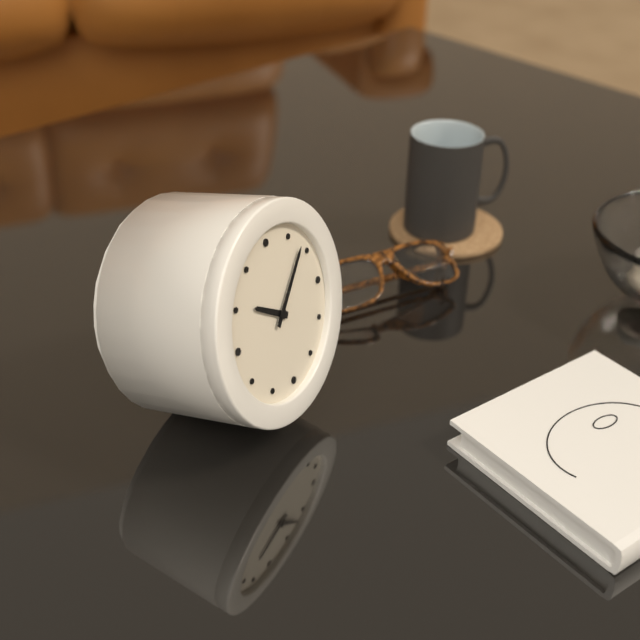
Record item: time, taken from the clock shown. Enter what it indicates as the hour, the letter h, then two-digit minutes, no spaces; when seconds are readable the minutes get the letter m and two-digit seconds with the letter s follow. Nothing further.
10h08
